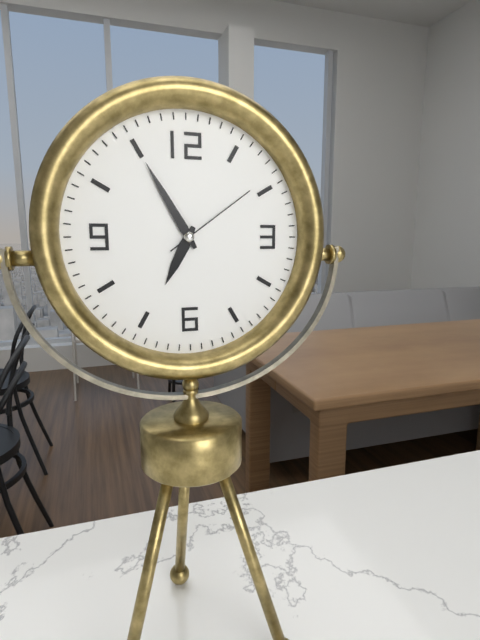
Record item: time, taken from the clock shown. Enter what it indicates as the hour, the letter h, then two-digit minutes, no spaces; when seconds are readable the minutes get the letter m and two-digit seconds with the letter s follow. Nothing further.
6h55m09s
